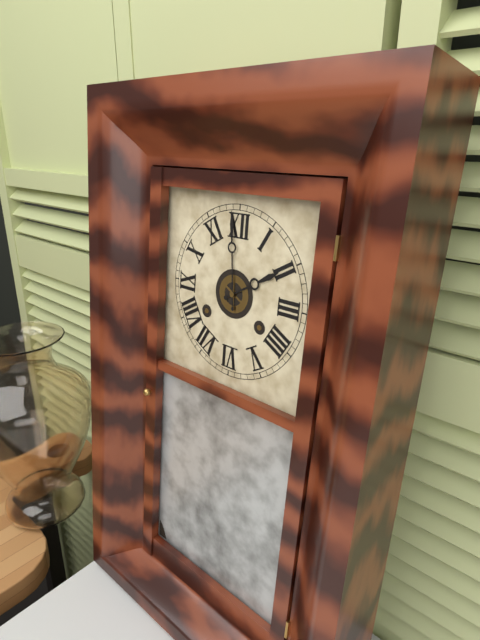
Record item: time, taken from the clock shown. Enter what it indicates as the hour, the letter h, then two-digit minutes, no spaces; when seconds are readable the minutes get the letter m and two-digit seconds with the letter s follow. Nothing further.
1h59
